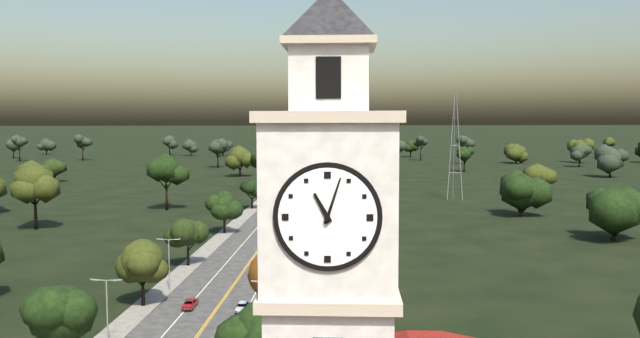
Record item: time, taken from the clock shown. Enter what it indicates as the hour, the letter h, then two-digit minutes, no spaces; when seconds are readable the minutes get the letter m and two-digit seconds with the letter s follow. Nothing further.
11h03
